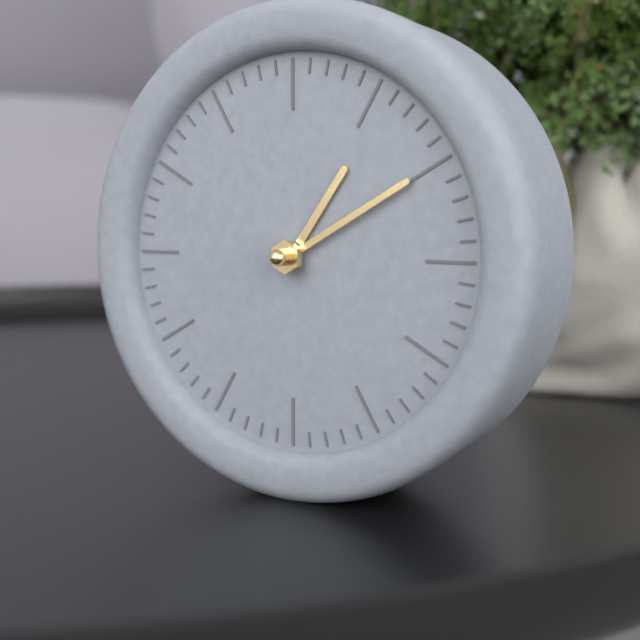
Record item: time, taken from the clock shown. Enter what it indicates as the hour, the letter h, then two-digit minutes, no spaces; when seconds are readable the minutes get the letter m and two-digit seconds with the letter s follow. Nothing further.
1h10
